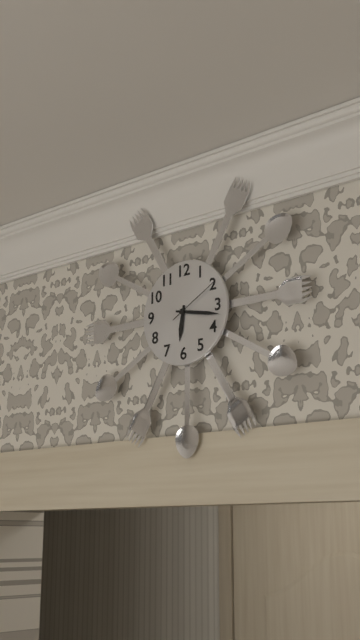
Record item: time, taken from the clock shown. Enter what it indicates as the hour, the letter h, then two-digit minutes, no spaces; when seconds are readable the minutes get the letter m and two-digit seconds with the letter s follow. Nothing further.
6h17m10s
